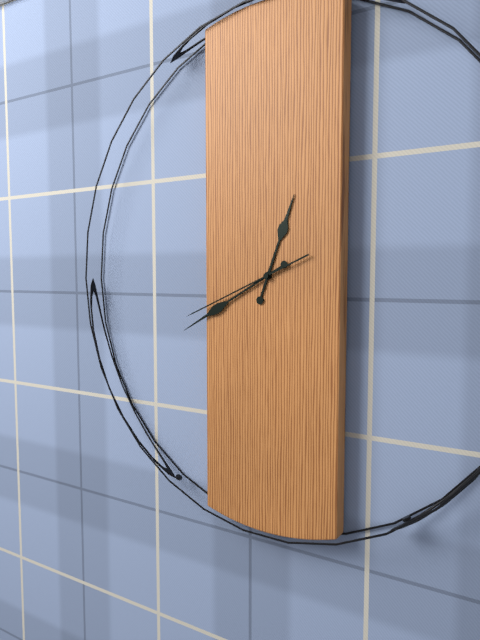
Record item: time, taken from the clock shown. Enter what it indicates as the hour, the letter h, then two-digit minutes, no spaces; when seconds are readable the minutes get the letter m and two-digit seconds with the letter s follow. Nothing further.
12h40m41s
